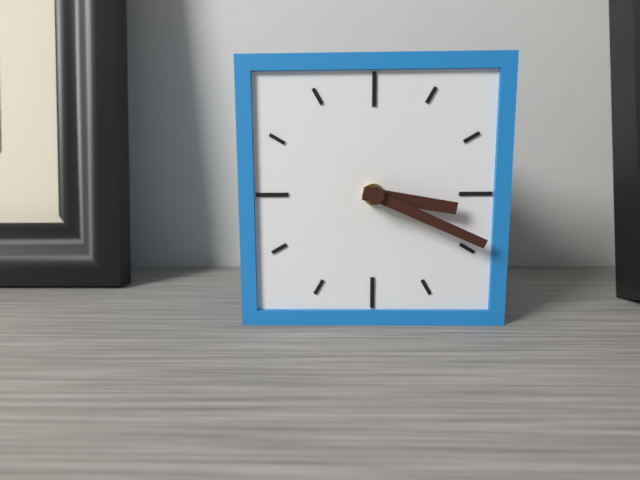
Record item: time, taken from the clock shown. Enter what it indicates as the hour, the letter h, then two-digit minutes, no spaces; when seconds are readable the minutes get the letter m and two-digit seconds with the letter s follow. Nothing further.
3h19
